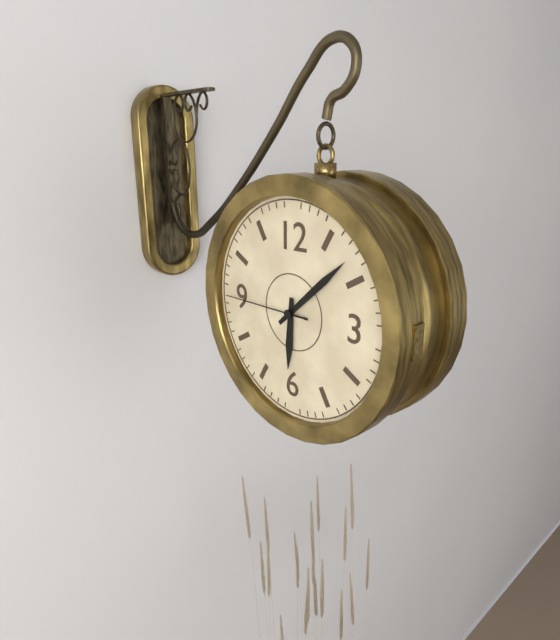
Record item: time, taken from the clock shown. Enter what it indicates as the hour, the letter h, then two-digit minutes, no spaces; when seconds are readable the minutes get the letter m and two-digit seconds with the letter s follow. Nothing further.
6h08m45s
